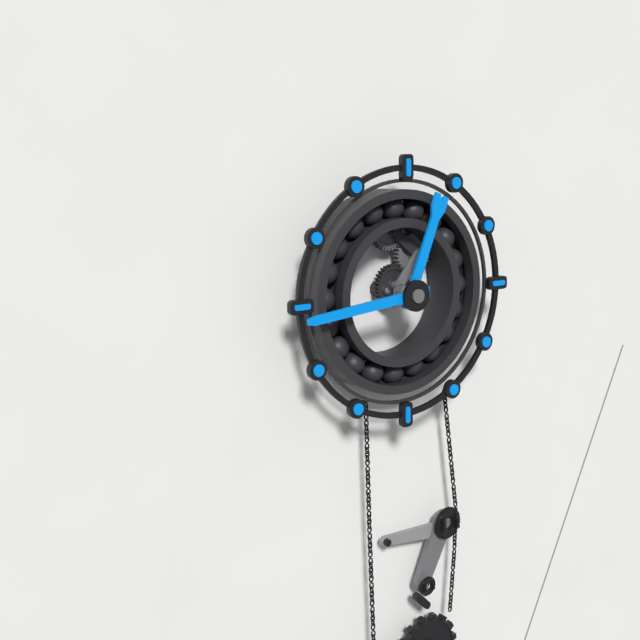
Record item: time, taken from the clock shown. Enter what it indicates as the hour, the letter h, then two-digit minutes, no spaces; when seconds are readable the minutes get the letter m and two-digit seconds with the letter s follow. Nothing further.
12h44
